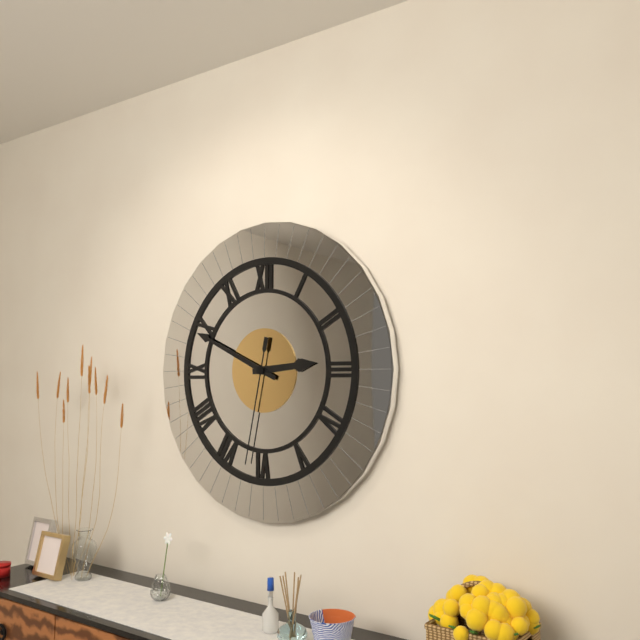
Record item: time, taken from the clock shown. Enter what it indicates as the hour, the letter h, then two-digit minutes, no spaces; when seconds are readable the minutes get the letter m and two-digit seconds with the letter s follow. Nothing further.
2h49m32s
